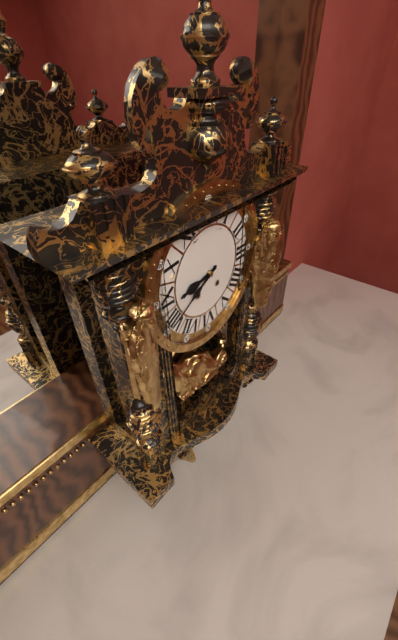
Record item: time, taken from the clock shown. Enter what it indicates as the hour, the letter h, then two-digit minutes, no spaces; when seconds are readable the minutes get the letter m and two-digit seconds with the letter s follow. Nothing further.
8h40
